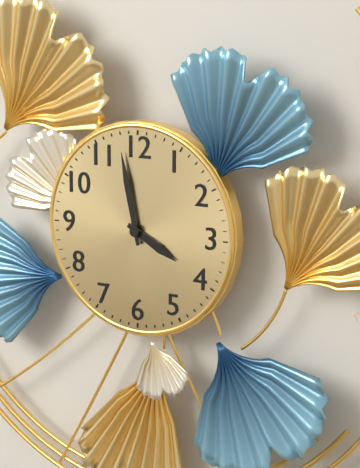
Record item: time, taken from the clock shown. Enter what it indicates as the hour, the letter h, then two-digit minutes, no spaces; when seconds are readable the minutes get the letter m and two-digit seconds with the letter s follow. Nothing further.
3h58
